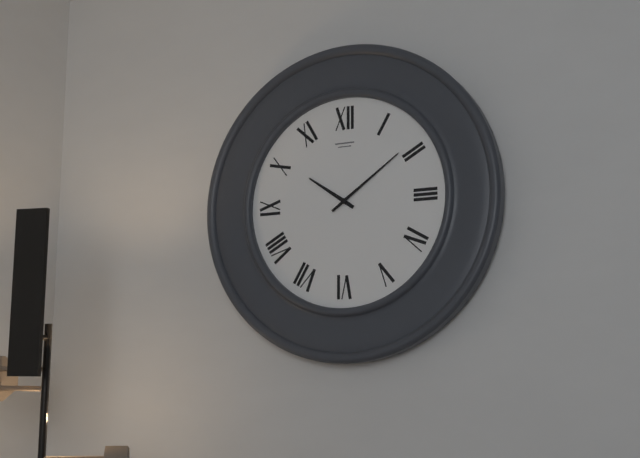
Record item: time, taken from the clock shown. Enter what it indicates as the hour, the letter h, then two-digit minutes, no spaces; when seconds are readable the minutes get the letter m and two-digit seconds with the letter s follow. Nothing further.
10h09
